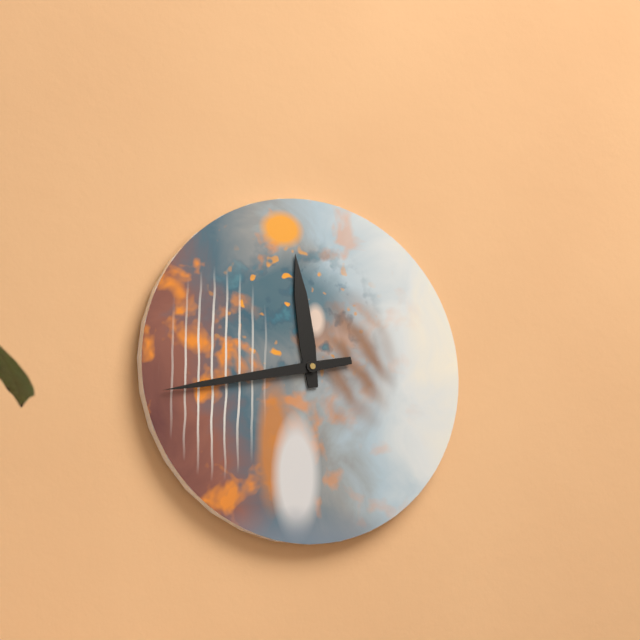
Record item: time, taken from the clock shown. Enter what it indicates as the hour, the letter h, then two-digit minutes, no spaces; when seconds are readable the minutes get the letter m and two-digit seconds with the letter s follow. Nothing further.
11h43
